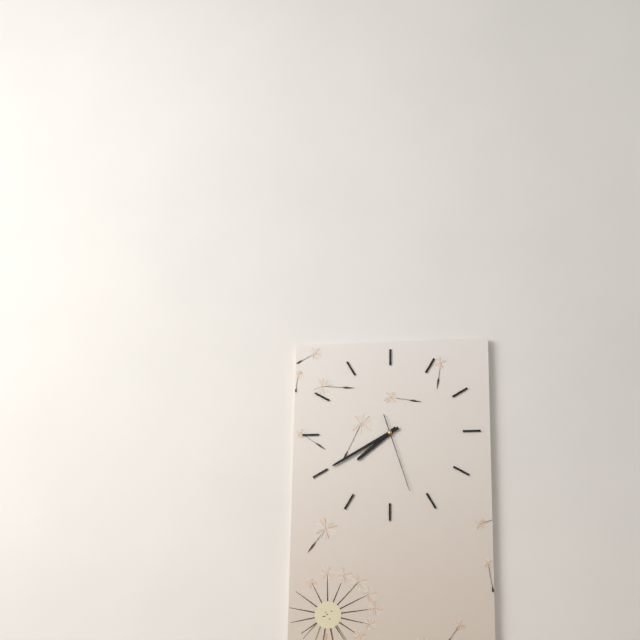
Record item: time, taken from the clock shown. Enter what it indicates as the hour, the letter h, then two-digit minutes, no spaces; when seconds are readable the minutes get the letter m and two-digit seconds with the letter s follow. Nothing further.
7h40m27s
